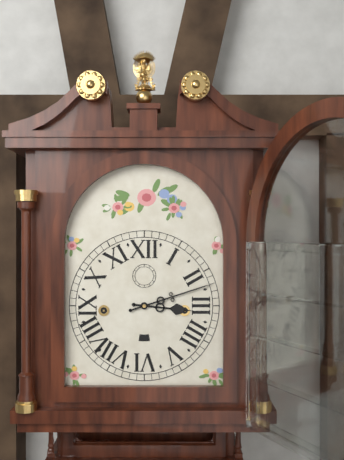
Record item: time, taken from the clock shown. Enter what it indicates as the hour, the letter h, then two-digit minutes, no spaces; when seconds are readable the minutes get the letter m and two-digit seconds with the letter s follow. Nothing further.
3h12
